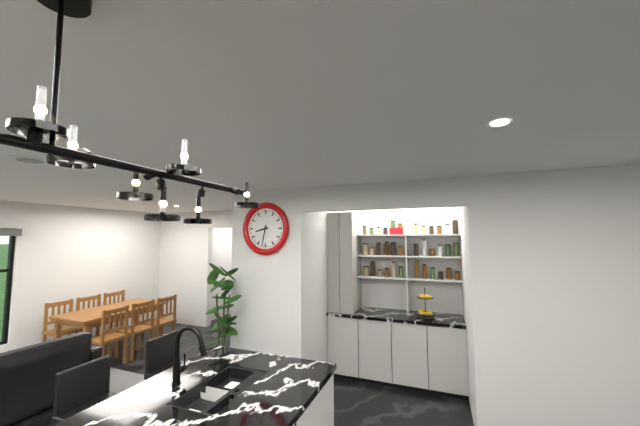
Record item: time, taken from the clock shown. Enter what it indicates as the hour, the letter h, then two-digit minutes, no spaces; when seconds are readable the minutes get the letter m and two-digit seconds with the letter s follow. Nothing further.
8h32
